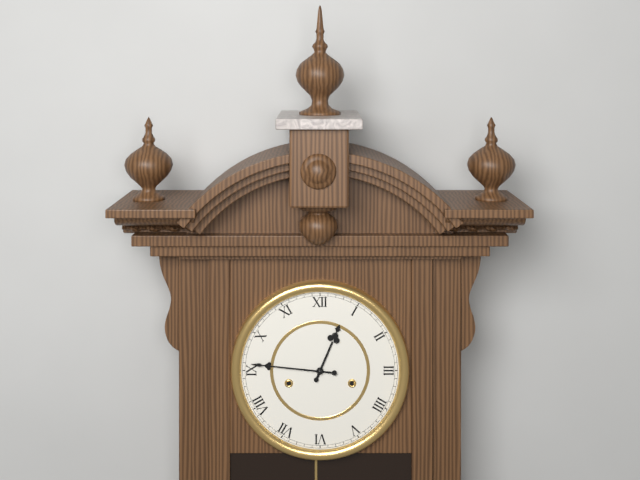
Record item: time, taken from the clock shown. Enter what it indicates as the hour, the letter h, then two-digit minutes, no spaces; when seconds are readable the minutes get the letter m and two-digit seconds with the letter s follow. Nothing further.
12h46
